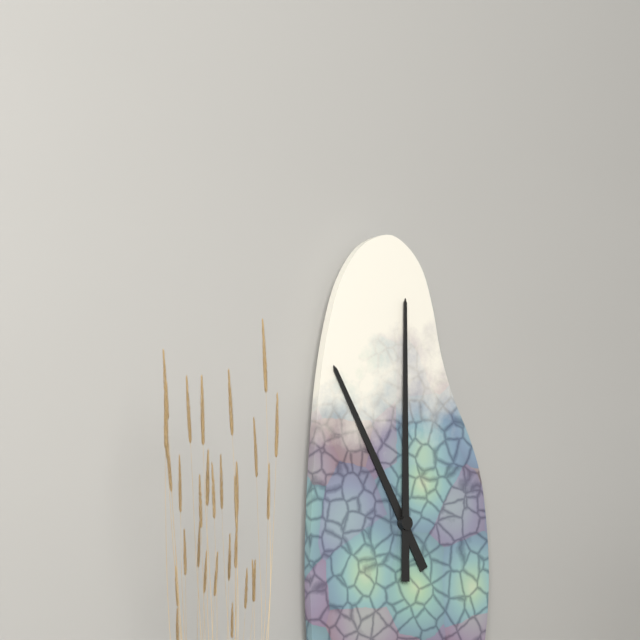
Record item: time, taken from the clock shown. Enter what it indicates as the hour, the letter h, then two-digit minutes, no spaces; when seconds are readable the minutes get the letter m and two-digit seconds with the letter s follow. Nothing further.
11h00
